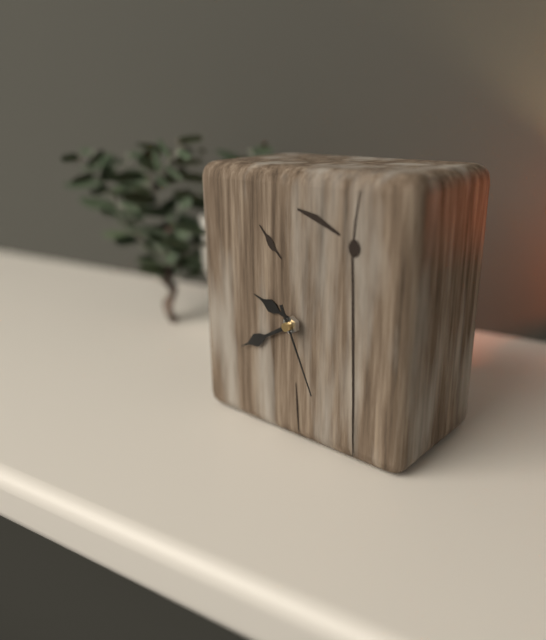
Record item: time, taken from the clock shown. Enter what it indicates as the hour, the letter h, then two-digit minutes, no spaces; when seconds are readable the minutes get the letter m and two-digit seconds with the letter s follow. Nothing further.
9h40m26s
